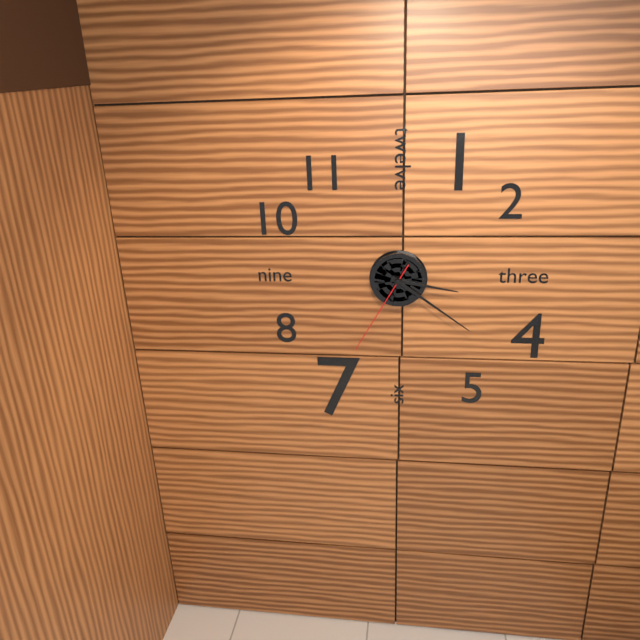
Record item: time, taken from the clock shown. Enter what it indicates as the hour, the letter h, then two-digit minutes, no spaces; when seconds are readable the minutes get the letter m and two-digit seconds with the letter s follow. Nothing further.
3h21m35s
